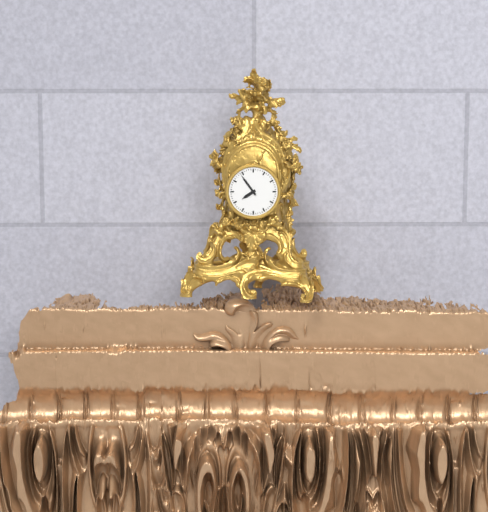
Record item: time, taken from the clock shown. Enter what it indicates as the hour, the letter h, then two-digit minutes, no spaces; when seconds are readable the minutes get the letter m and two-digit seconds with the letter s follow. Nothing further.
7h54
